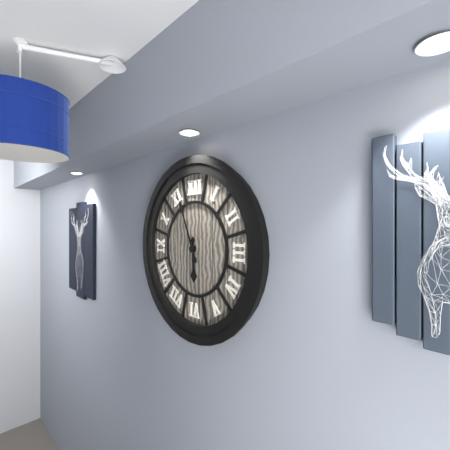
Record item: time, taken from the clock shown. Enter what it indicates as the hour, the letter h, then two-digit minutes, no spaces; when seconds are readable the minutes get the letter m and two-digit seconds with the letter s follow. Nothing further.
5h56
